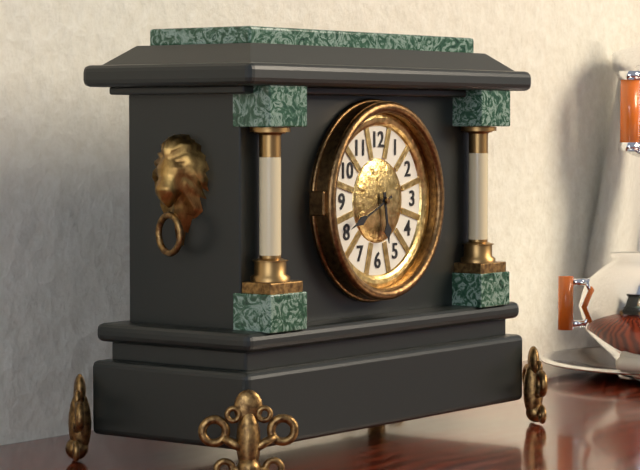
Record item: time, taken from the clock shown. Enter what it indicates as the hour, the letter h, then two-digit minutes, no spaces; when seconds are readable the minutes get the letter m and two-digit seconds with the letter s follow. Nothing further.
5h41
